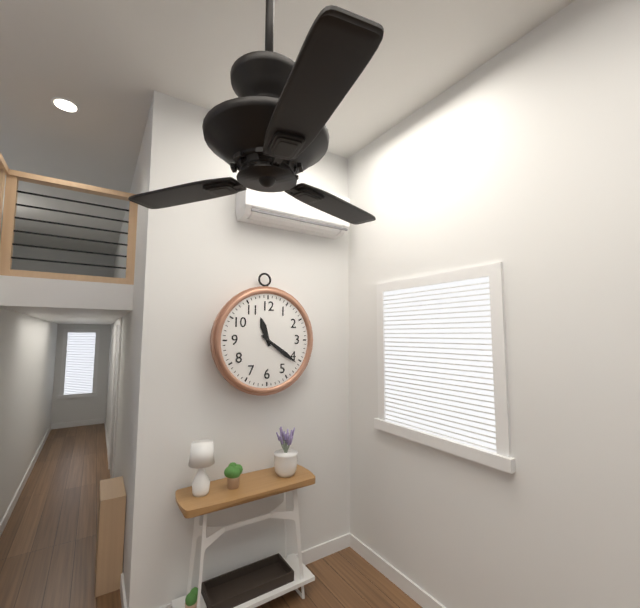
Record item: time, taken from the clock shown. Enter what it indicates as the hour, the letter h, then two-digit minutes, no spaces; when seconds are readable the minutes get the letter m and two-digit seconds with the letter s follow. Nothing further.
11h21
